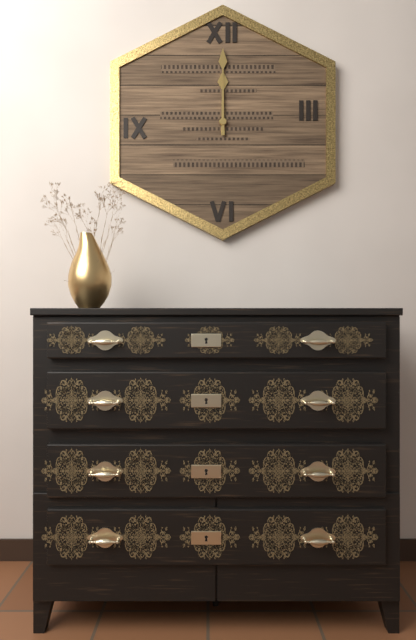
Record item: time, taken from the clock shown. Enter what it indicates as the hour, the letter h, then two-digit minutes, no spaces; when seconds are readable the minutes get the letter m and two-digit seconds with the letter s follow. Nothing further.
12h00
